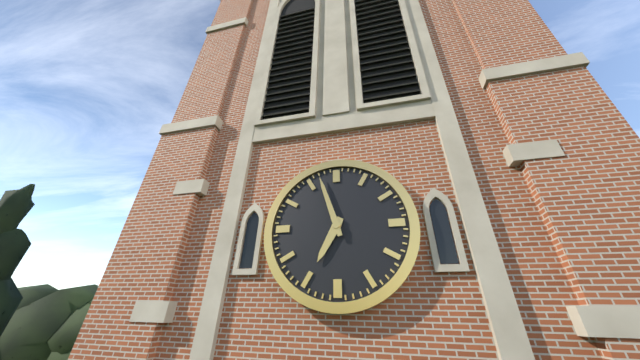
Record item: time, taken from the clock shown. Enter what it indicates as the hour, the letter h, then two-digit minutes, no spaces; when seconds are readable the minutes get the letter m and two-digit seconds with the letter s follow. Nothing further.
6h57
